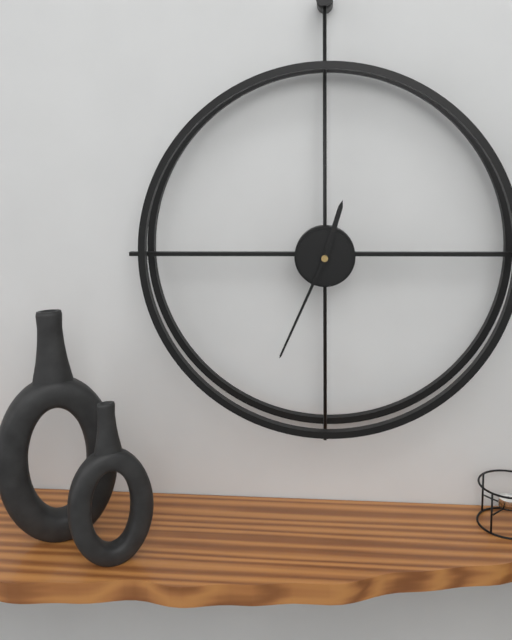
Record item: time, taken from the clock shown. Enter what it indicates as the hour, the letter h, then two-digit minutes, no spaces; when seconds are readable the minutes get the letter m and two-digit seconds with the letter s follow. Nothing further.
12h34
